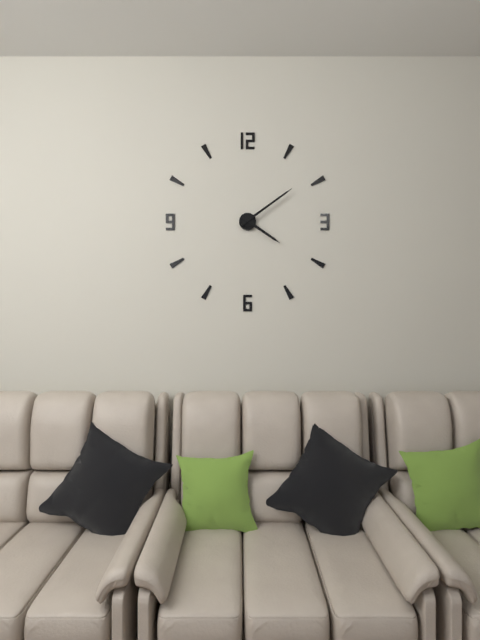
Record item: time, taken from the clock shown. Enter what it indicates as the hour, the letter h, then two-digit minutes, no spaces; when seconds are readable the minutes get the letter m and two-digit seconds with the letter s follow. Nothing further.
4h09
